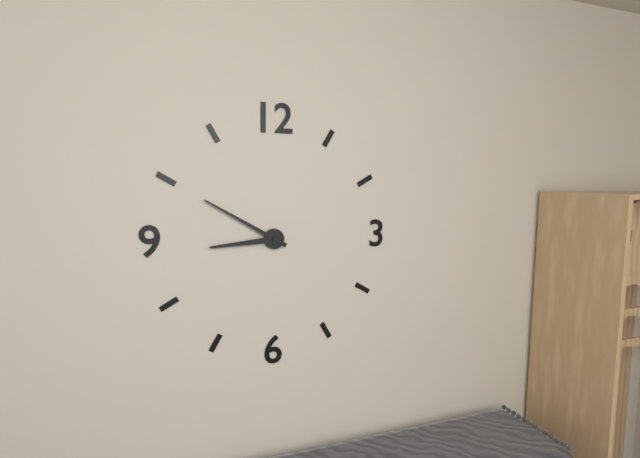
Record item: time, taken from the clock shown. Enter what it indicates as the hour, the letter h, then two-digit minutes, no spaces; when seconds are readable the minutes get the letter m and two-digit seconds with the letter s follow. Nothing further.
8h50
